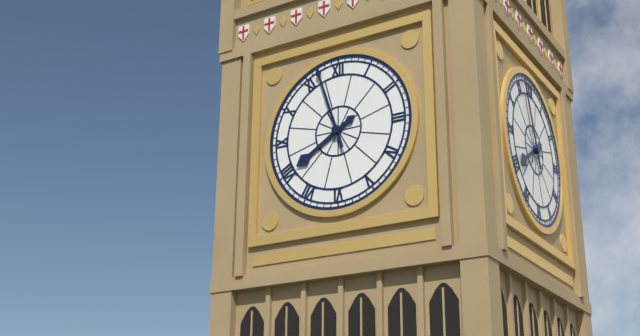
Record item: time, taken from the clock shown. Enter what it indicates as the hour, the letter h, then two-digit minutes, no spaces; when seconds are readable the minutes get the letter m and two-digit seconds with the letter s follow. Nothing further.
7h57
